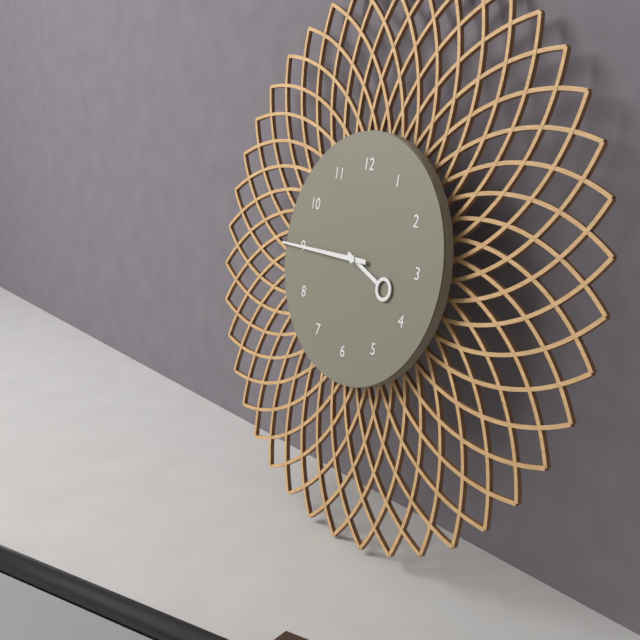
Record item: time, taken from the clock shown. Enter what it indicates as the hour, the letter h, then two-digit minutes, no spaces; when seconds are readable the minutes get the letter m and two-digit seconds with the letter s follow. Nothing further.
3h45
